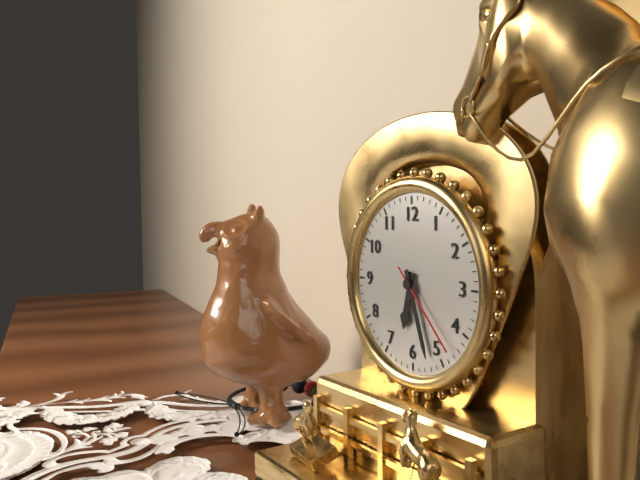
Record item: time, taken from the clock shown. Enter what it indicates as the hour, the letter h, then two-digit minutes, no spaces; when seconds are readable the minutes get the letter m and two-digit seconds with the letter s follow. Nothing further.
6h27m23s
